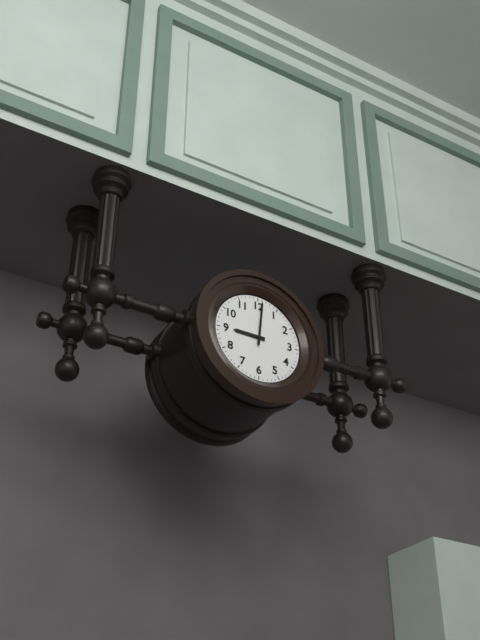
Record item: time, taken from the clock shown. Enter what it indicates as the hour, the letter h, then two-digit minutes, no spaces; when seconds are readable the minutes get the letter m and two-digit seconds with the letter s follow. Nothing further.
9h01
